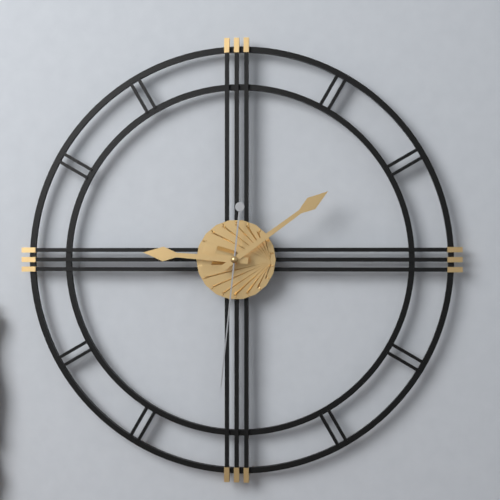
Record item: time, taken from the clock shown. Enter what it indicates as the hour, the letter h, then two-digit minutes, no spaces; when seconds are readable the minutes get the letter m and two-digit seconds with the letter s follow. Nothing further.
9h09m31s
